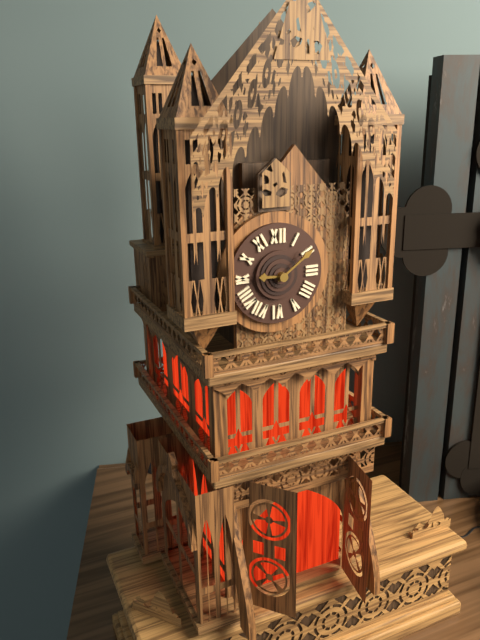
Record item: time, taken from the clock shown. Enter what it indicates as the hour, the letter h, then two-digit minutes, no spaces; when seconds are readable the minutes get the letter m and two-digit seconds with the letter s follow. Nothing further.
9h09
